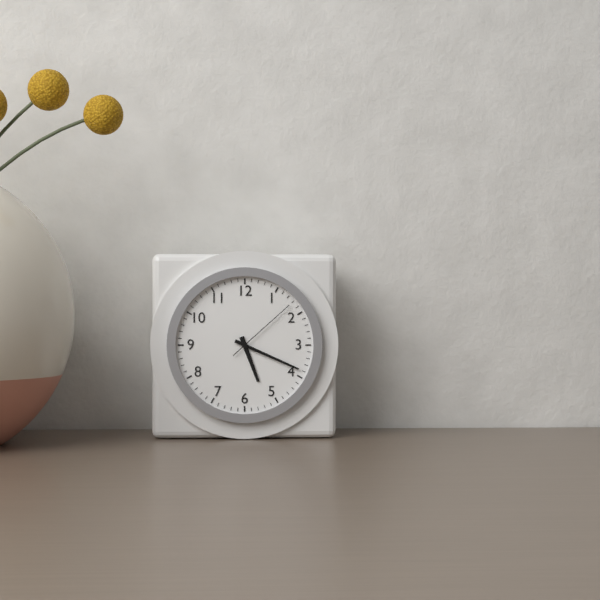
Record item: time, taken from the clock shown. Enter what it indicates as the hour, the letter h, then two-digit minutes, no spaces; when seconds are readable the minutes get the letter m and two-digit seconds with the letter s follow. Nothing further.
5h19m08s
